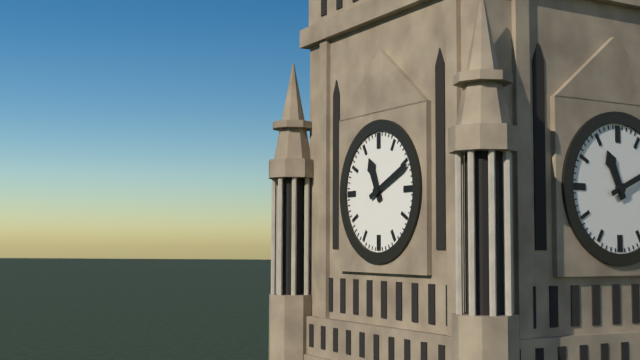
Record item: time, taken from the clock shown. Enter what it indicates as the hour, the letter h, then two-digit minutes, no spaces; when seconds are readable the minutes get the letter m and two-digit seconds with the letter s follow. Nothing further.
11h11
